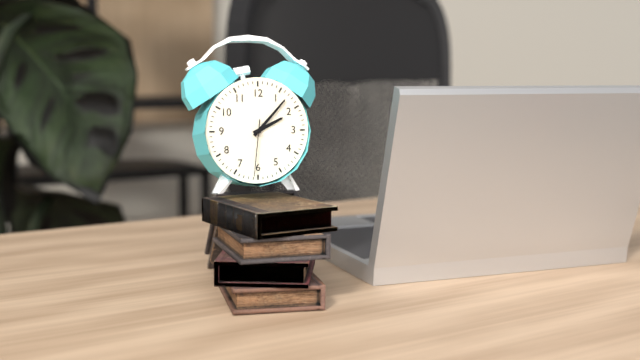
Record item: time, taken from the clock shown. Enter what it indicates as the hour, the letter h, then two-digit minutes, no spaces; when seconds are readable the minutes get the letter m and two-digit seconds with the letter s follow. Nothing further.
2h07m31s
